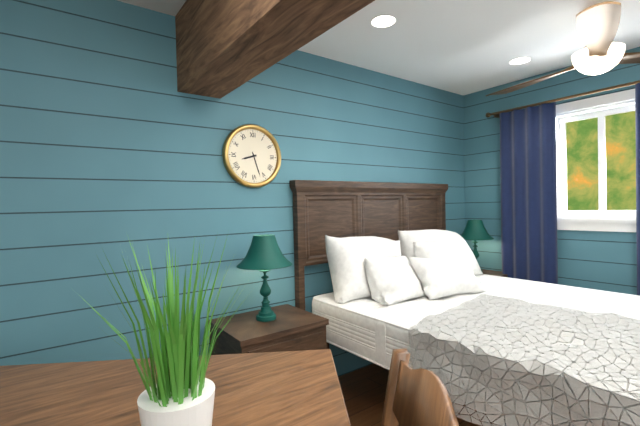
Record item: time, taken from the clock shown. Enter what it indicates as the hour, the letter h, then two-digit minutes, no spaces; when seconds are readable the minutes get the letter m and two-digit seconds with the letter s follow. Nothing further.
8h27
